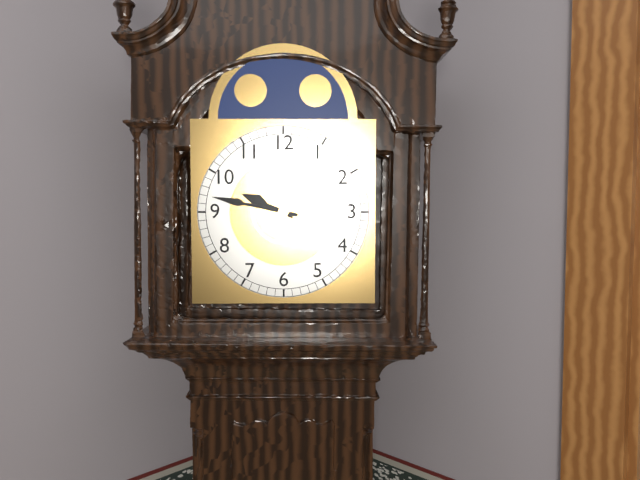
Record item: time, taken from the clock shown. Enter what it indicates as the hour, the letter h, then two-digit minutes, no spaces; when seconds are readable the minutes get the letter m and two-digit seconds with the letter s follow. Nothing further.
9h47
